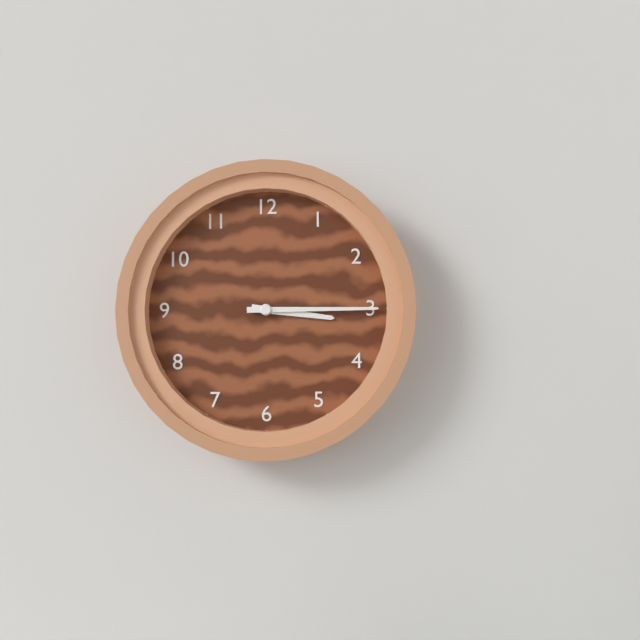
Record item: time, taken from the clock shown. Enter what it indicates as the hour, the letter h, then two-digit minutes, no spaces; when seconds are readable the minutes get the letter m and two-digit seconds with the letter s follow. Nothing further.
3h15
